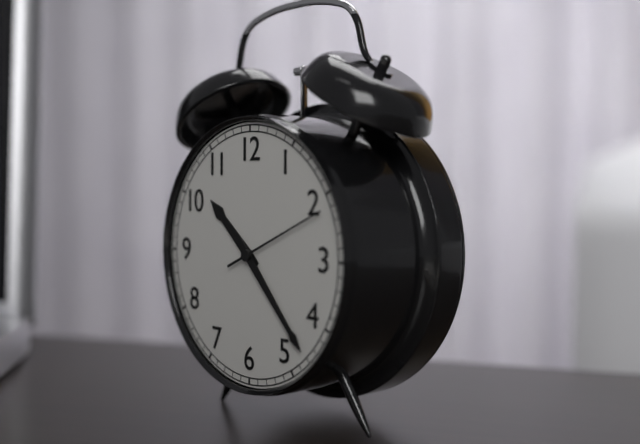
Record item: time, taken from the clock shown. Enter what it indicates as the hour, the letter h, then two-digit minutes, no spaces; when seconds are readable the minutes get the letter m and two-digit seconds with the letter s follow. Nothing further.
10h23m11s
